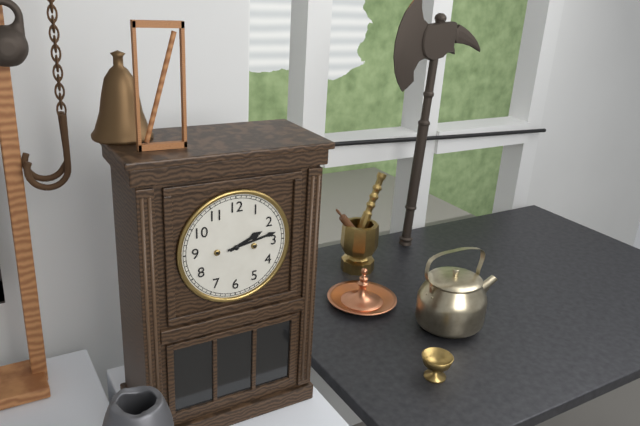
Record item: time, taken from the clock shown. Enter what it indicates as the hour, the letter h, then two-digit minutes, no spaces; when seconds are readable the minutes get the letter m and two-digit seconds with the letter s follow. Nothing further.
2h13
